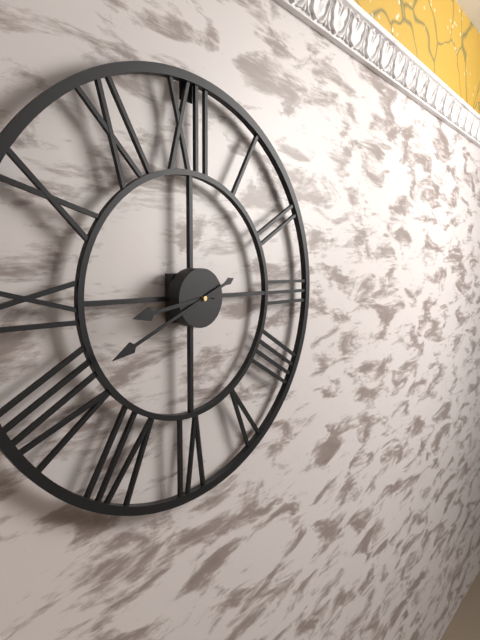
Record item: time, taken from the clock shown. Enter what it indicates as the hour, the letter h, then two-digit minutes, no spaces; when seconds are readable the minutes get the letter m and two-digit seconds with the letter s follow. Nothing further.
8h41
